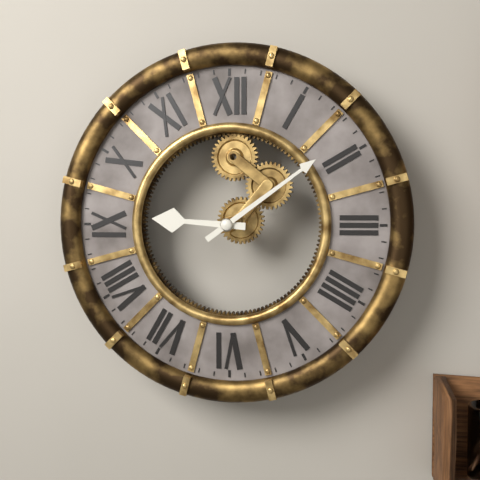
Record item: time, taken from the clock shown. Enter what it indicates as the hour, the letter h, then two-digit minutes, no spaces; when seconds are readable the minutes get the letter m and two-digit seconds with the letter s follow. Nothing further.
9h09
